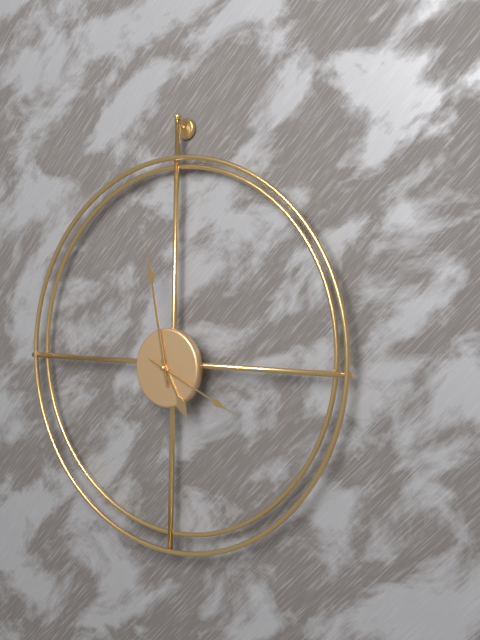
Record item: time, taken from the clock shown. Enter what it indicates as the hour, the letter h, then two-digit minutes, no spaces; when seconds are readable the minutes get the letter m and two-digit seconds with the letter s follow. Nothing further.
4h58m19s
